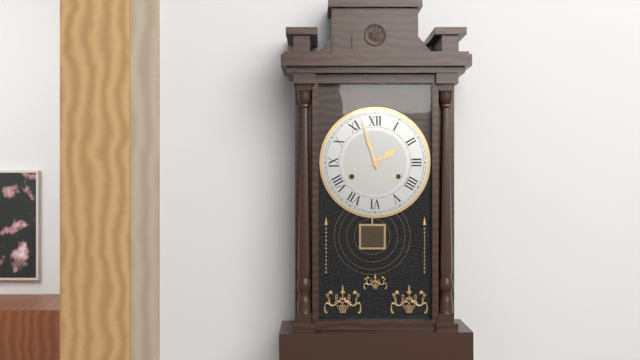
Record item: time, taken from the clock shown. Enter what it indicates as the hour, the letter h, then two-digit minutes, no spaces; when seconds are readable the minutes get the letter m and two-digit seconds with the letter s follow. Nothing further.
1h57
